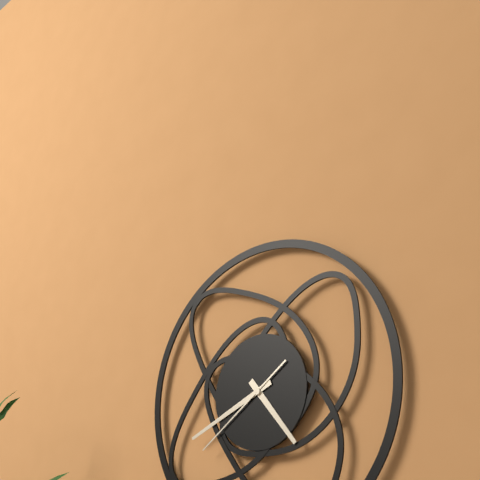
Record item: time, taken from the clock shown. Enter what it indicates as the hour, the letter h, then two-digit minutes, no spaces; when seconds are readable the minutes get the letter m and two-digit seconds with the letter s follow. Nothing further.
4h41m39s
